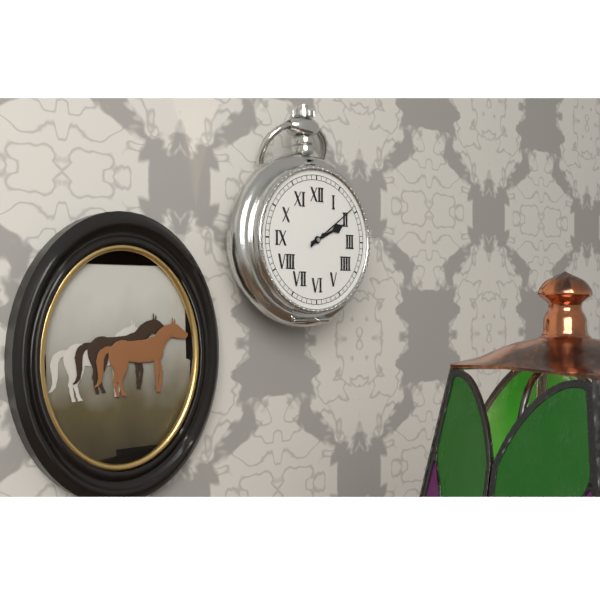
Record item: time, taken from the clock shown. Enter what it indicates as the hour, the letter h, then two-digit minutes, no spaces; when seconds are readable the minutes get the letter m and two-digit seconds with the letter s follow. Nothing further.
2h09
